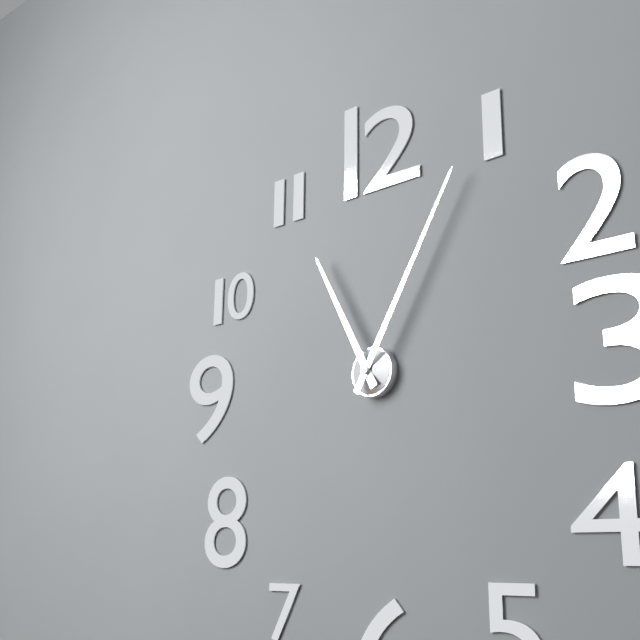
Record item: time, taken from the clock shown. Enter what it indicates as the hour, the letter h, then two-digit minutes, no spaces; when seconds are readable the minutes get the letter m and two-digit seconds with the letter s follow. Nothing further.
11h05
